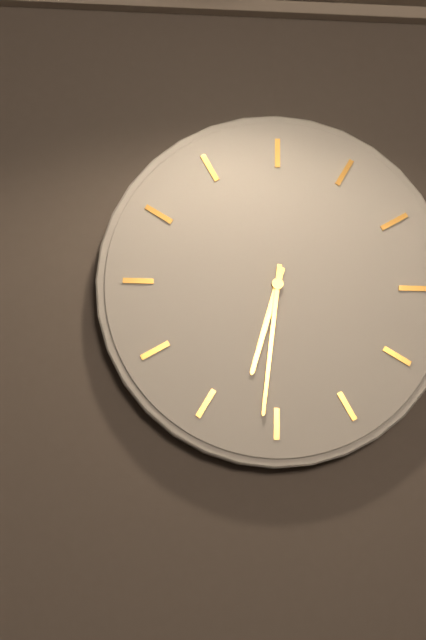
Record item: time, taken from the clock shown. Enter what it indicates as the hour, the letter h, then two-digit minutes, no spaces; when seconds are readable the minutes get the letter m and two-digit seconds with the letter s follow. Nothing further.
6h31
